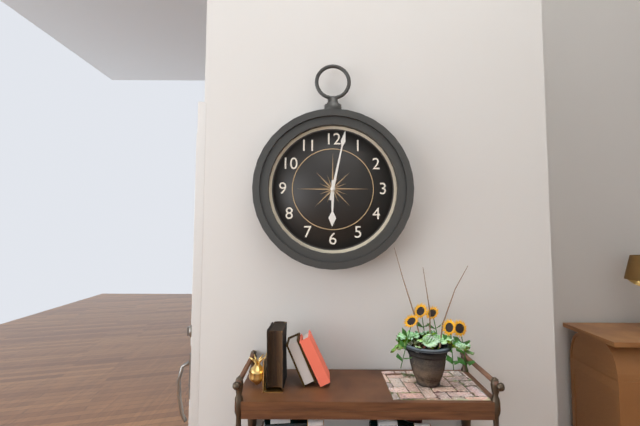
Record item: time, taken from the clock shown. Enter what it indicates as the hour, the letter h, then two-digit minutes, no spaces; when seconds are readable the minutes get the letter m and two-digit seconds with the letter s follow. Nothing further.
6h02
